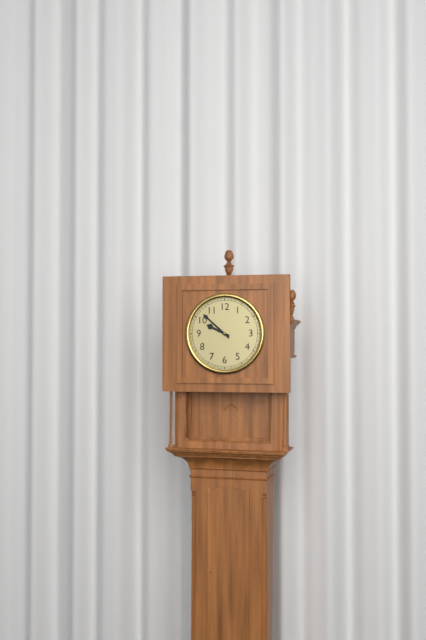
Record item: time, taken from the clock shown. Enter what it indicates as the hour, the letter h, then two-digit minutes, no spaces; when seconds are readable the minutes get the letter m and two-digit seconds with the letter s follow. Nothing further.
9h52
